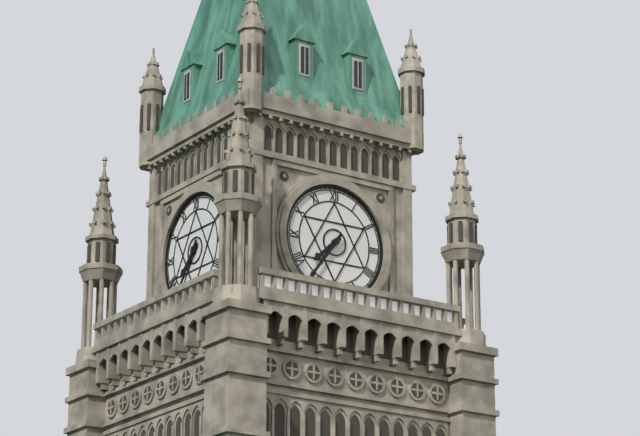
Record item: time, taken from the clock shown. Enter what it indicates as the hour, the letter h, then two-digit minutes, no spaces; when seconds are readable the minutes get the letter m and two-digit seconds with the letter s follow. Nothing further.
7h36
